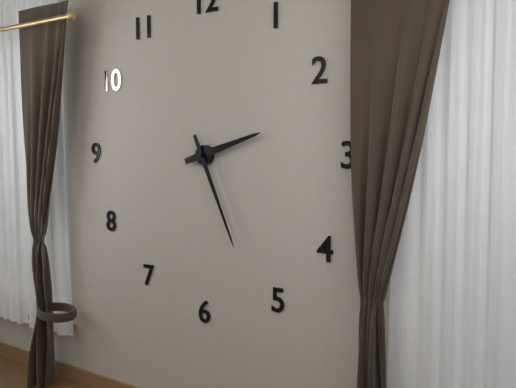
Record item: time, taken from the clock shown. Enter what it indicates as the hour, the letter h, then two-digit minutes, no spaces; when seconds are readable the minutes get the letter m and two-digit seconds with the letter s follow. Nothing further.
2h26
